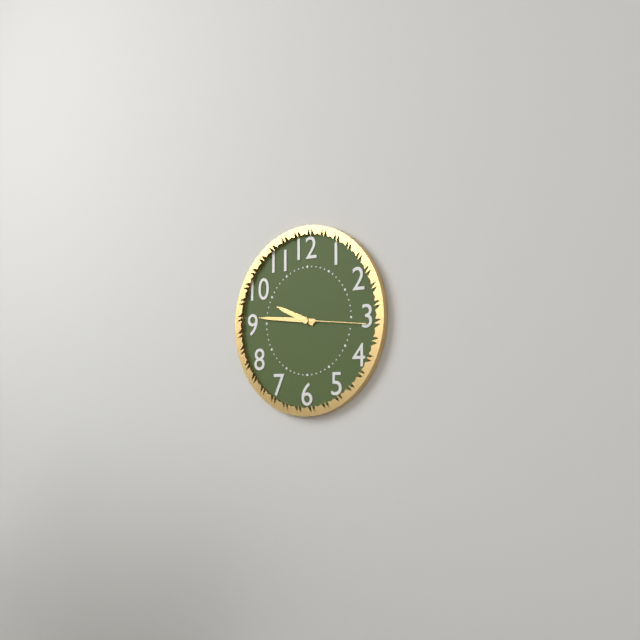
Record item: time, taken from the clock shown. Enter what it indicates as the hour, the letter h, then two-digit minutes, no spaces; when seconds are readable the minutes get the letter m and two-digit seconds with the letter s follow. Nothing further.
9h46m16s
